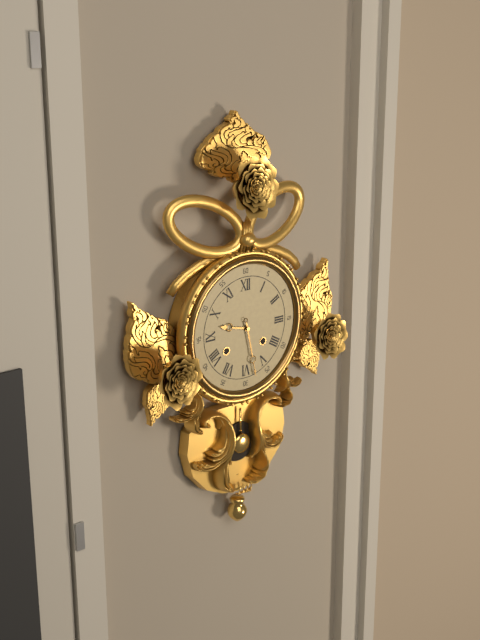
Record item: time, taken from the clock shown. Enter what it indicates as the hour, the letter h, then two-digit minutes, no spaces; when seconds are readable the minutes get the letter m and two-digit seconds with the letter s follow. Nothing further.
9h28
